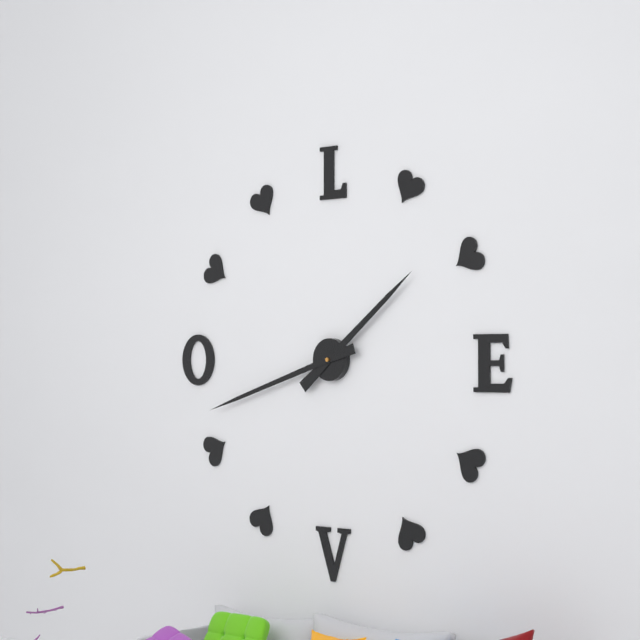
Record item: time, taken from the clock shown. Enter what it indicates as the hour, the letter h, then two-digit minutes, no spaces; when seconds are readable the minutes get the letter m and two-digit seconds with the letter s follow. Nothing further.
1h42
